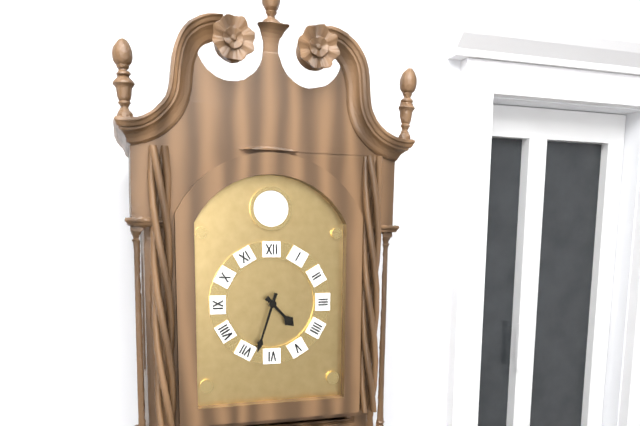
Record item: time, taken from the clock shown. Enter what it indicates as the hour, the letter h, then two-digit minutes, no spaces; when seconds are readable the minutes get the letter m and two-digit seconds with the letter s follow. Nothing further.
4h33
